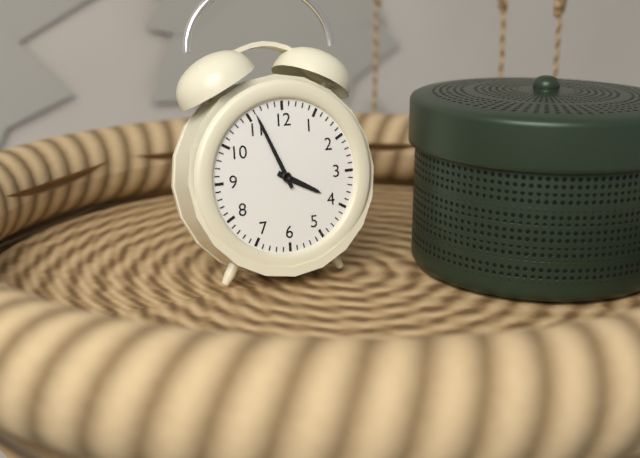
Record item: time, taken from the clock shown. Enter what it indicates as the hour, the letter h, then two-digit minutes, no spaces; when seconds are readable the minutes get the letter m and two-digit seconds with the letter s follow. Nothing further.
3h56
